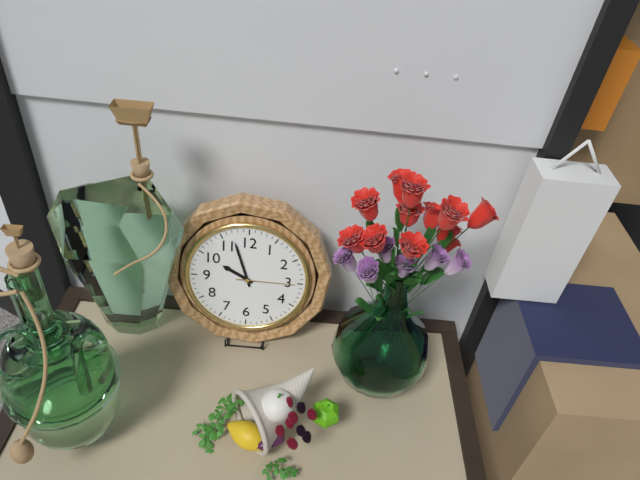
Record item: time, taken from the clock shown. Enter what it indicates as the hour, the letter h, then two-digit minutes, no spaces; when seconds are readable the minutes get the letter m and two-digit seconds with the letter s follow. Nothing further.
9h57m15s
